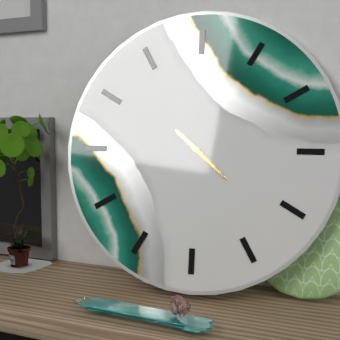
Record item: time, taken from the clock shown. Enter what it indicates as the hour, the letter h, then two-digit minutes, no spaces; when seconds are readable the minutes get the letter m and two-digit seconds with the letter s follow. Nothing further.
10h22
